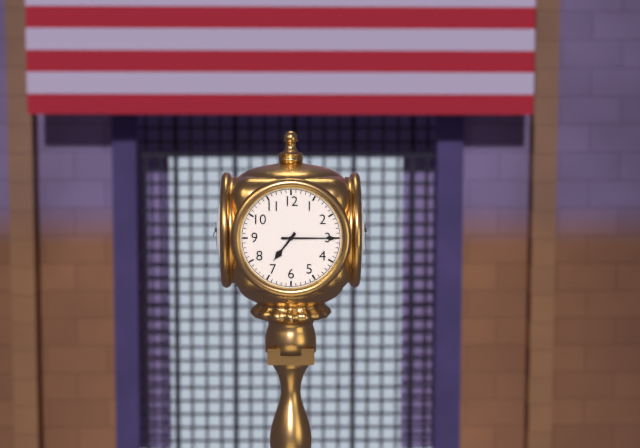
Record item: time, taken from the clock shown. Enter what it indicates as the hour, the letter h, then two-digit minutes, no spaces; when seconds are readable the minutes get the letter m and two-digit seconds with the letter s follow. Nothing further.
7h15
